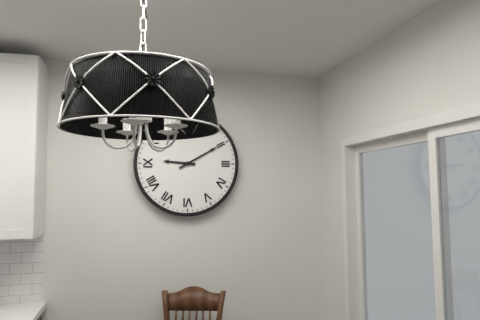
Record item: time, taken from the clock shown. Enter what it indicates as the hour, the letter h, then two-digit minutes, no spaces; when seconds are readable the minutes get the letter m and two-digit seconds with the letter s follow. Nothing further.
9h10
